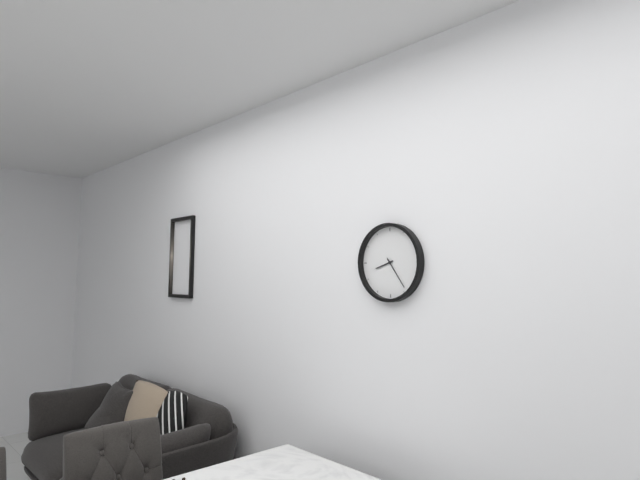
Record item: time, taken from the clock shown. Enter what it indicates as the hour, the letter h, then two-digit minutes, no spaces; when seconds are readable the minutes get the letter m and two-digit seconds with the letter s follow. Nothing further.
8h24
